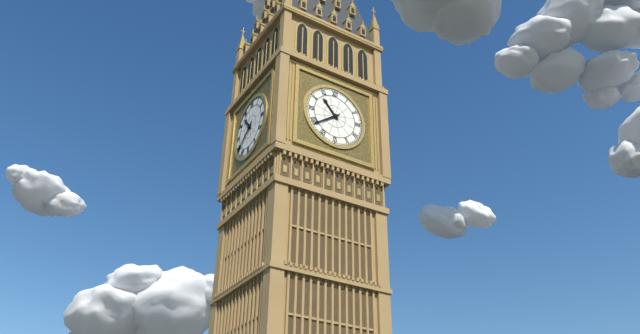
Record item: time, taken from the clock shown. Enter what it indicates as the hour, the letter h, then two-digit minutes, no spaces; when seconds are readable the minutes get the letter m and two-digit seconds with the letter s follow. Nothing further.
10h39
